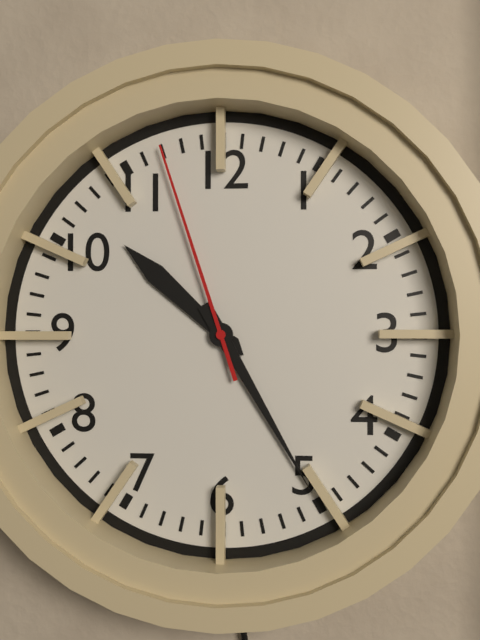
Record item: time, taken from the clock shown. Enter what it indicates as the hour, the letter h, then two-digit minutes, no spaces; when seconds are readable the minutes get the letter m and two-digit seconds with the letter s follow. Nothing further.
10h25m57s
